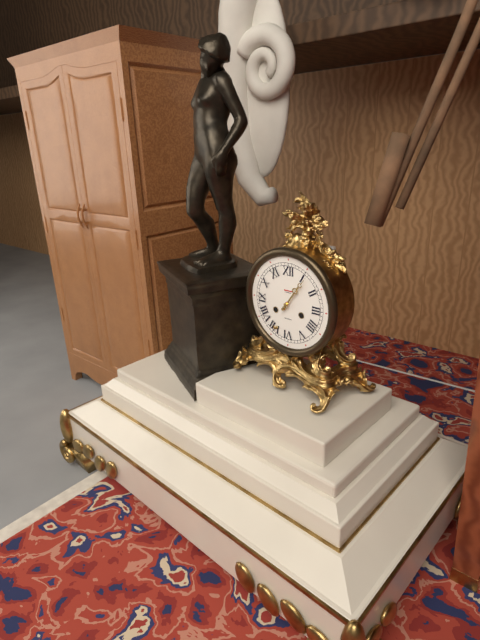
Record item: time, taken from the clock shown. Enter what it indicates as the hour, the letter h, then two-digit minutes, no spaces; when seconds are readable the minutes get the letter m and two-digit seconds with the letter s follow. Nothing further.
1h06
